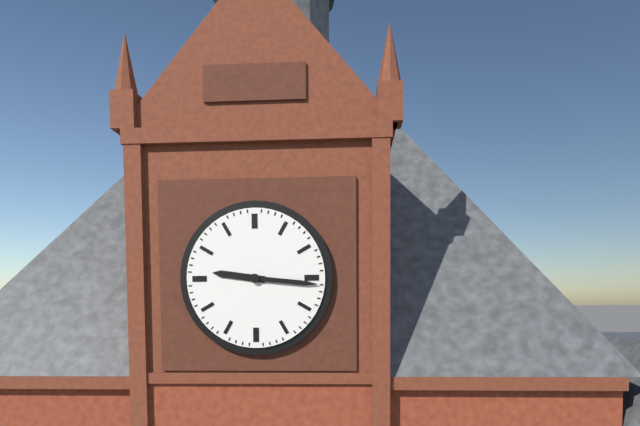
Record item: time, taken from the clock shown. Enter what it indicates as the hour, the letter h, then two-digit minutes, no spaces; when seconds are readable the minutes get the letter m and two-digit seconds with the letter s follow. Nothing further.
9h16
